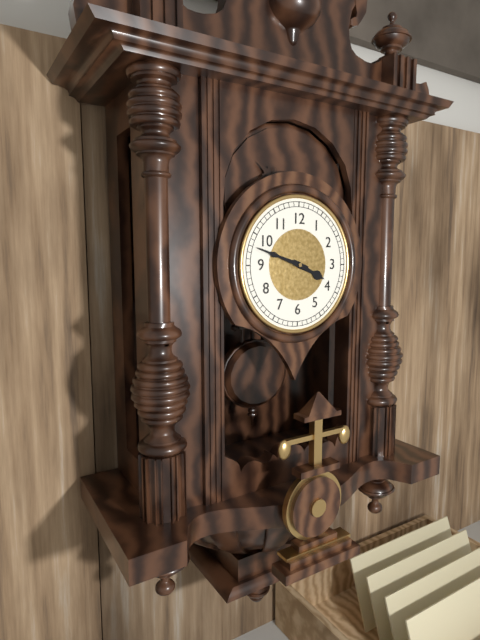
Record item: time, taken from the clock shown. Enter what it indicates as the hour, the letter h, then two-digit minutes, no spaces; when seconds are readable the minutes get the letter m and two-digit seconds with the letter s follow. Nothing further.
3h48
